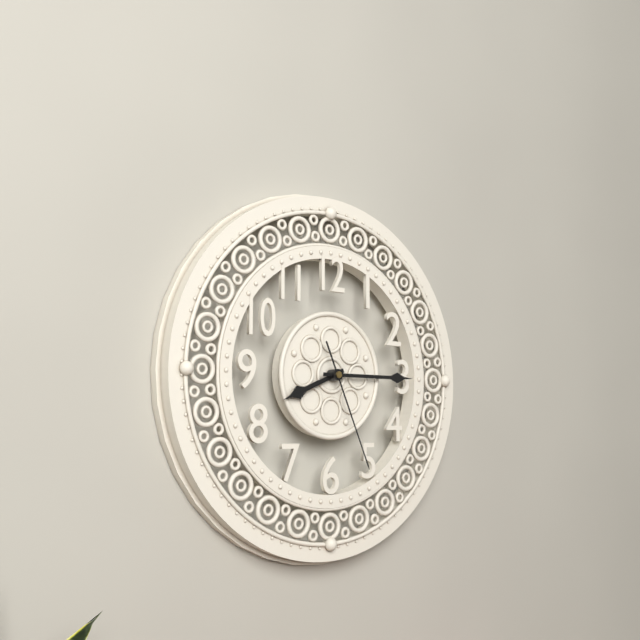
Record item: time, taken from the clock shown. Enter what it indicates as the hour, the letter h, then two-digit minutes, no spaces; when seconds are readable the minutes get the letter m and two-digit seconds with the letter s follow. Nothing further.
8h15m26s
